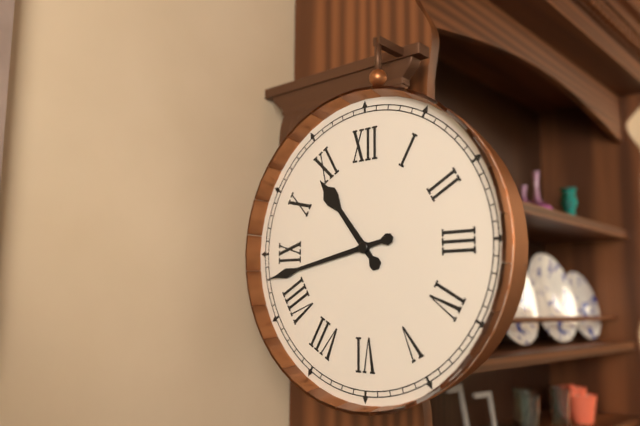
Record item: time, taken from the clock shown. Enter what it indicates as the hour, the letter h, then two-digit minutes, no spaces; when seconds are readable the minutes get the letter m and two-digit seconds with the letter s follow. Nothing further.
10h43
